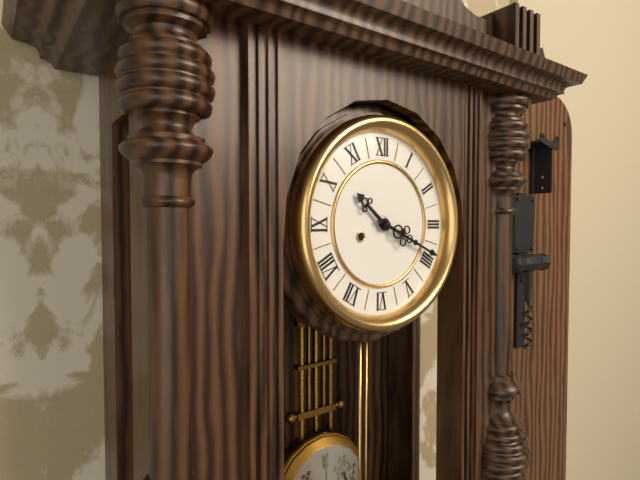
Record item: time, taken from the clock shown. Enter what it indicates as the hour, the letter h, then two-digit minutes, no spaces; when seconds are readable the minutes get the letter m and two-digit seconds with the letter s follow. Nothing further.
10h19
